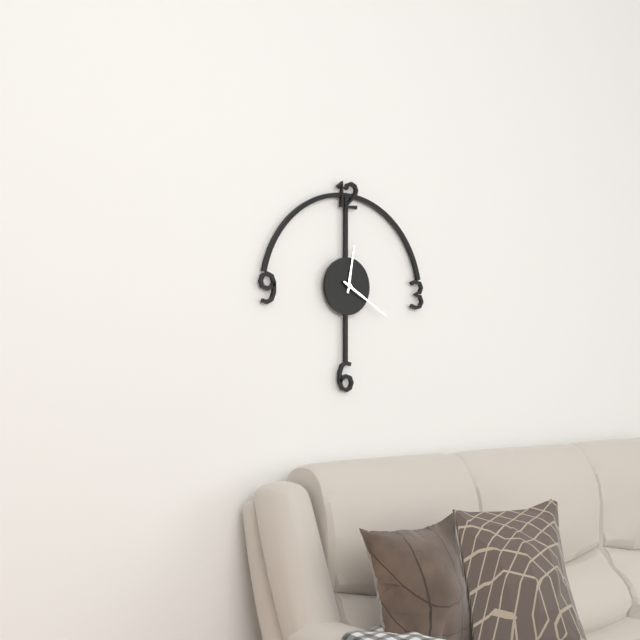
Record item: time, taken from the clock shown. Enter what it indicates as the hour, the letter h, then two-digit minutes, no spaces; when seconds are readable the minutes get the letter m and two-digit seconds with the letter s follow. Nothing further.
12h20
